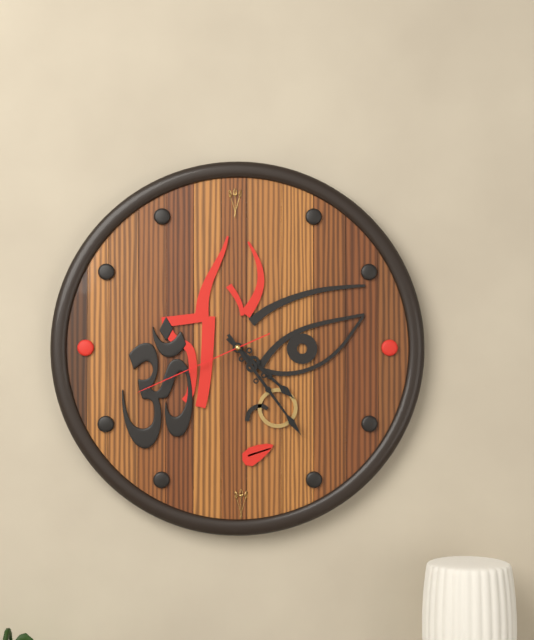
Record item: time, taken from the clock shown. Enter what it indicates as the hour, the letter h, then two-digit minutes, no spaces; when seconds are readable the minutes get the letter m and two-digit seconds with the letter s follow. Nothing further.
4h24m41s
